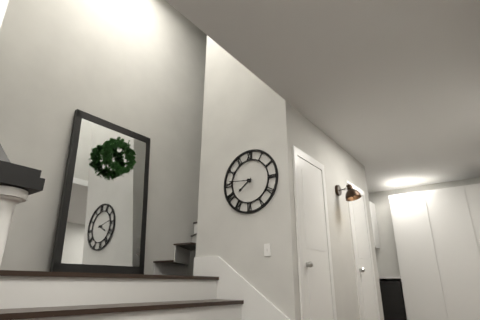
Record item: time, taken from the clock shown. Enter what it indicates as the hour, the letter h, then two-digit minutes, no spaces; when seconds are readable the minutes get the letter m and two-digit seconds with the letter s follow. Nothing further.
7h46
